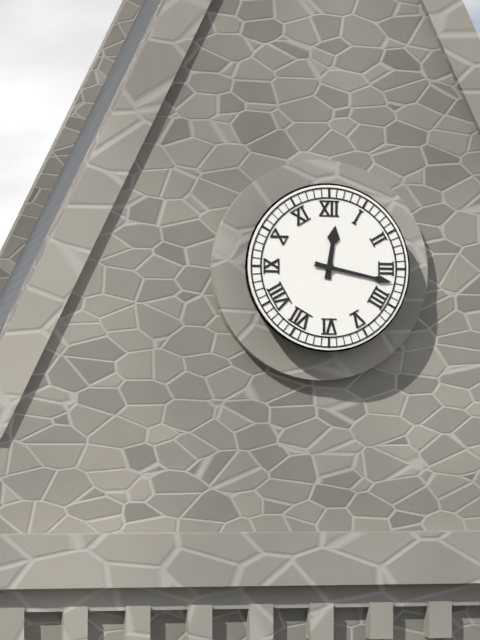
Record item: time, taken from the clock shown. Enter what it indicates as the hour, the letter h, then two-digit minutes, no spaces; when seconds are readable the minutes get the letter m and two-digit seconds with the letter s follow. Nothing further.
12h17
